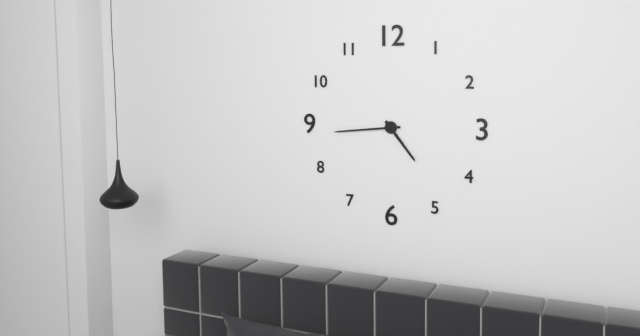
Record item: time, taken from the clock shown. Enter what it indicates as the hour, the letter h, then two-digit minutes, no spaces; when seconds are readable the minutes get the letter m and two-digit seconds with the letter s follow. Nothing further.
4h44
